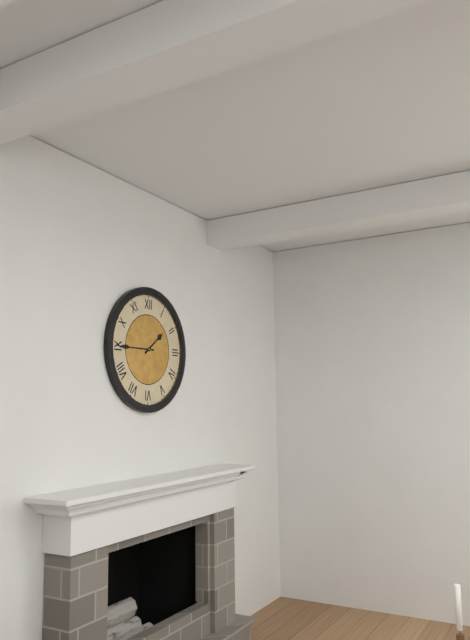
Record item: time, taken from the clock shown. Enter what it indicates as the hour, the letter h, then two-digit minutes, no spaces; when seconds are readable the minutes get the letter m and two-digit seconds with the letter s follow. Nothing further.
1h45
